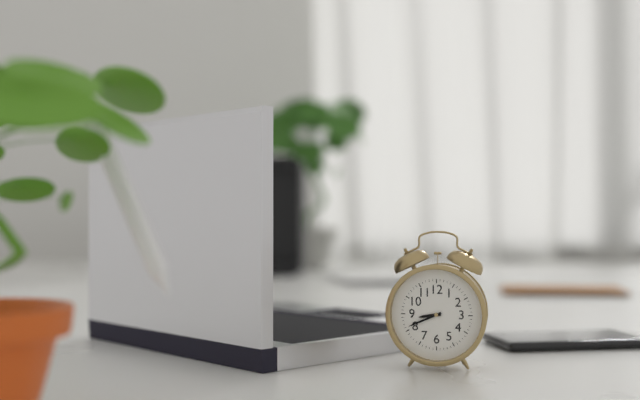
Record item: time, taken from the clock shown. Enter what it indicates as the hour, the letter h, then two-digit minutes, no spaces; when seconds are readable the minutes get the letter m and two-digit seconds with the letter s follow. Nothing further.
8h41
